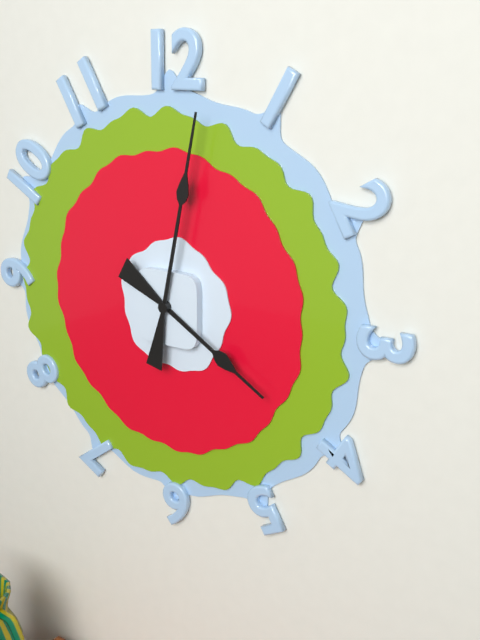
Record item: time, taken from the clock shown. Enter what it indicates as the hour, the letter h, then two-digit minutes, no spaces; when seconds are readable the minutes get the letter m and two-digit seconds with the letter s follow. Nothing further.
4h02
